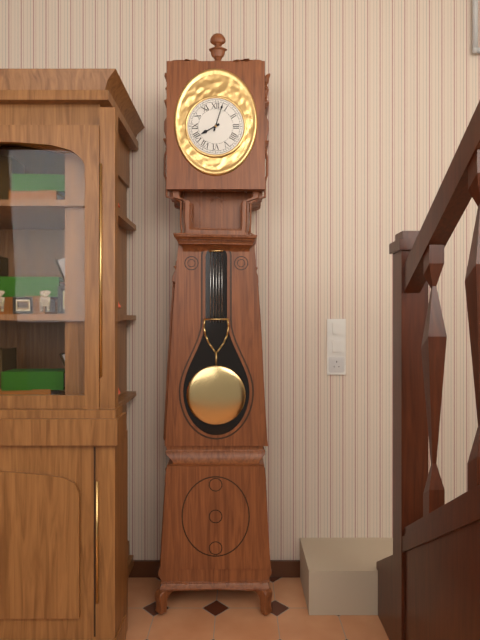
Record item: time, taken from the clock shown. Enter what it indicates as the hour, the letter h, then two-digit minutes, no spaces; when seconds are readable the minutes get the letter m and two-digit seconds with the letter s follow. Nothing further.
8h03
